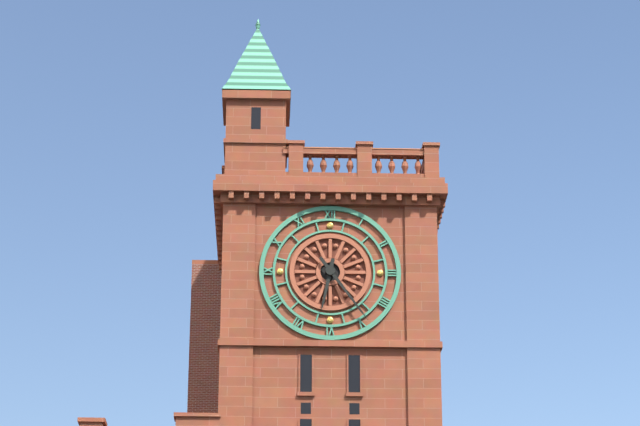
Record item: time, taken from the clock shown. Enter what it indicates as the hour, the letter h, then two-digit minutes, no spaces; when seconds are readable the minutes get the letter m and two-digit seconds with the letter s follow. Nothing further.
6h24
